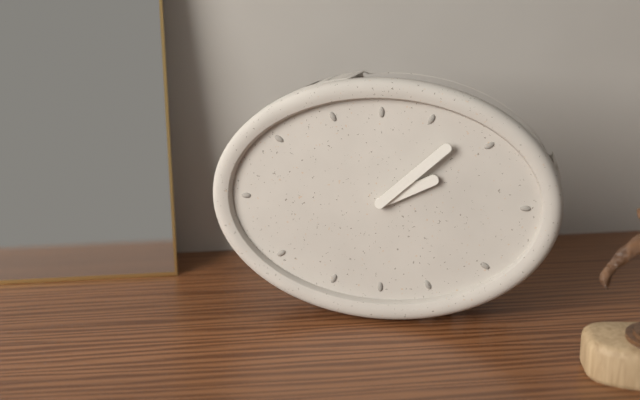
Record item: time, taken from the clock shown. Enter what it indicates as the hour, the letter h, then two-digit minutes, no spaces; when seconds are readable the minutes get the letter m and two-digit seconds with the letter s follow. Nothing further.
2h08
